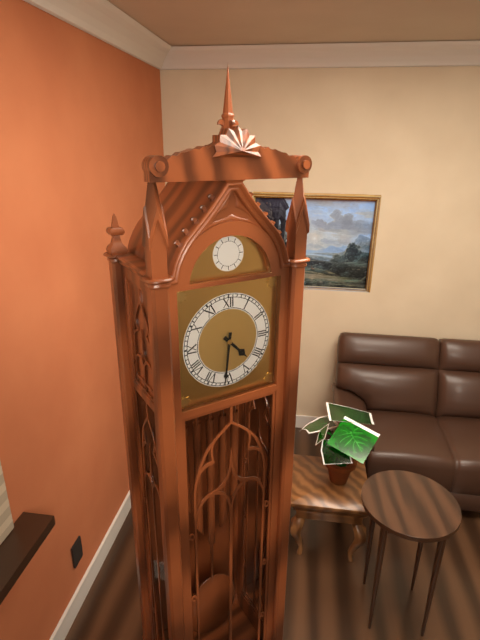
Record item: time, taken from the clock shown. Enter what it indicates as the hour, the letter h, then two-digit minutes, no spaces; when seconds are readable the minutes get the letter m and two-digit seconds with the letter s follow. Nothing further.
4h31
